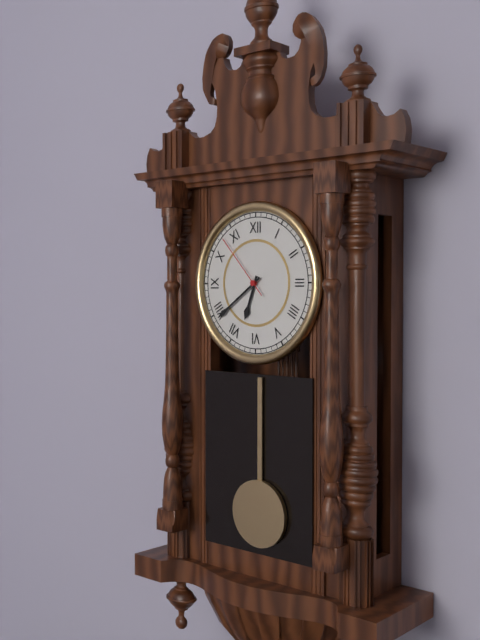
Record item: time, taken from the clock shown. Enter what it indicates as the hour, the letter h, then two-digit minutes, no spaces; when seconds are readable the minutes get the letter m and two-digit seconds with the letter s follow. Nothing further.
6h39m53s
